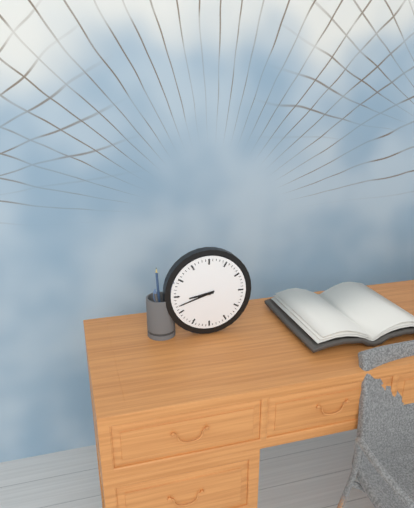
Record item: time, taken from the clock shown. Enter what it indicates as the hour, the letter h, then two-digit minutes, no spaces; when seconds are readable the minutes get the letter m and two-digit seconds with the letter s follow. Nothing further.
8h42
